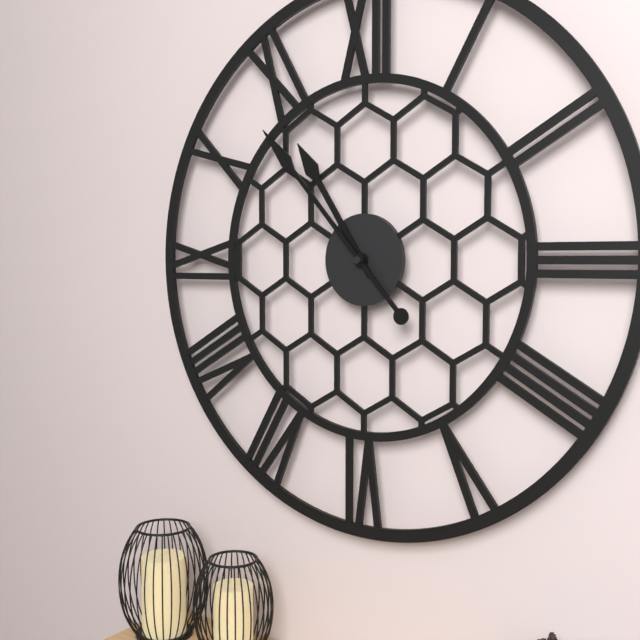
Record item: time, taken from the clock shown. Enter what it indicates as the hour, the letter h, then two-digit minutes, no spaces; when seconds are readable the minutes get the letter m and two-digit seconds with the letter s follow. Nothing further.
10h53
